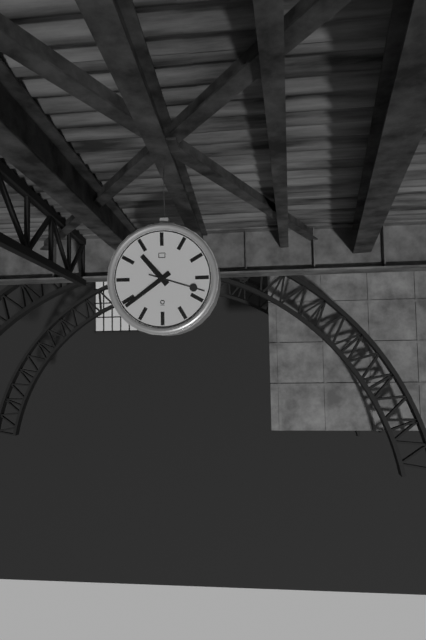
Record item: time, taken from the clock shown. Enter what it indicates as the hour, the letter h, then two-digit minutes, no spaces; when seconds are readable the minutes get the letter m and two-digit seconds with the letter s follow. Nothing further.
10h39m18s
